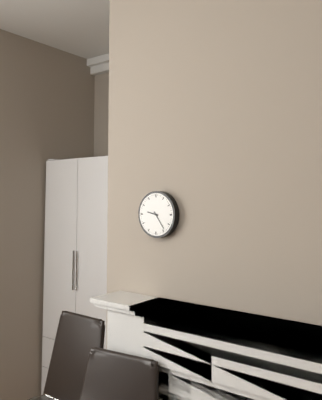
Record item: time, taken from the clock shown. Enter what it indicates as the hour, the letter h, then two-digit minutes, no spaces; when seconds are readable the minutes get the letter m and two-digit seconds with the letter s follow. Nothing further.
9h24
